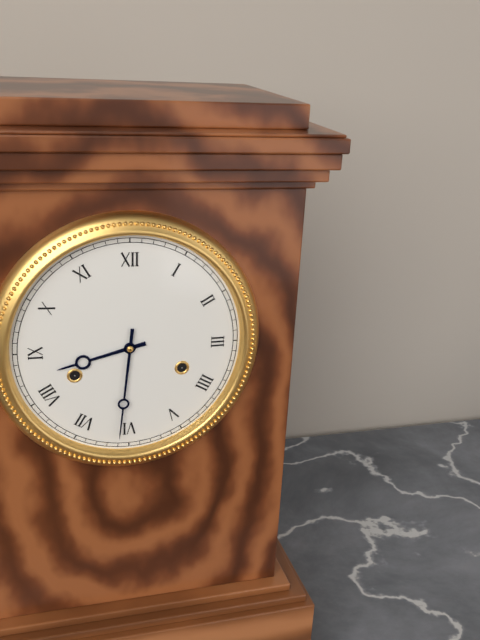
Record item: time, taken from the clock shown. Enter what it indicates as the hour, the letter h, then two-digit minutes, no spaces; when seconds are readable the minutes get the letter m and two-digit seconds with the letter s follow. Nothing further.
8h31
